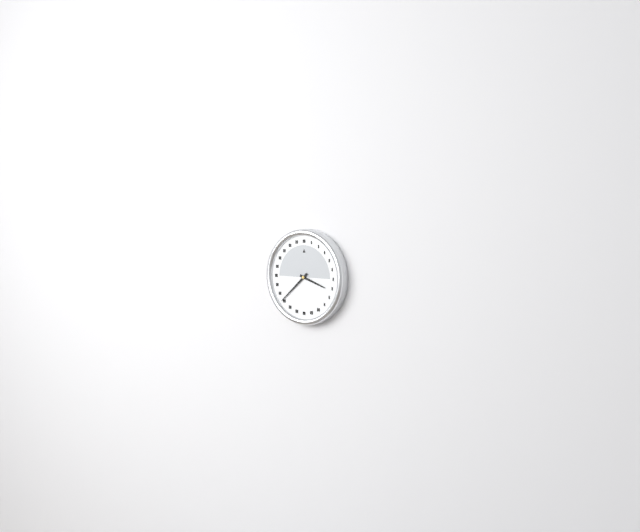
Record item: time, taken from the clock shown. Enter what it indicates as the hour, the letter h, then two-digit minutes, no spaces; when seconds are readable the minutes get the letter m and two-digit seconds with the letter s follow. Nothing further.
3h38
